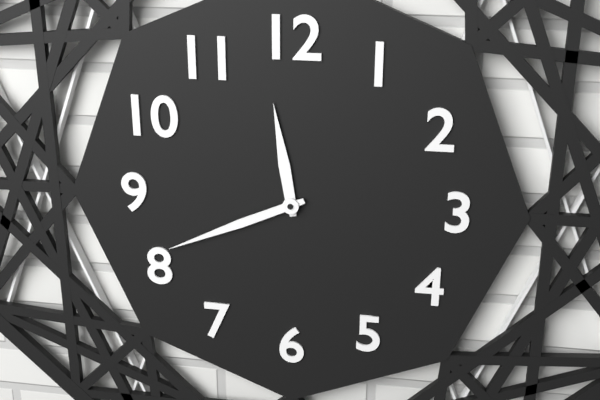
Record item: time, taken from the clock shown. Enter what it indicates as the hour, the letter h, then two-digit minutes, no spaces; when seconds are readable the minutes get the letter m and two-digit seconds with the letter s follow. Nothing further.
11h41
